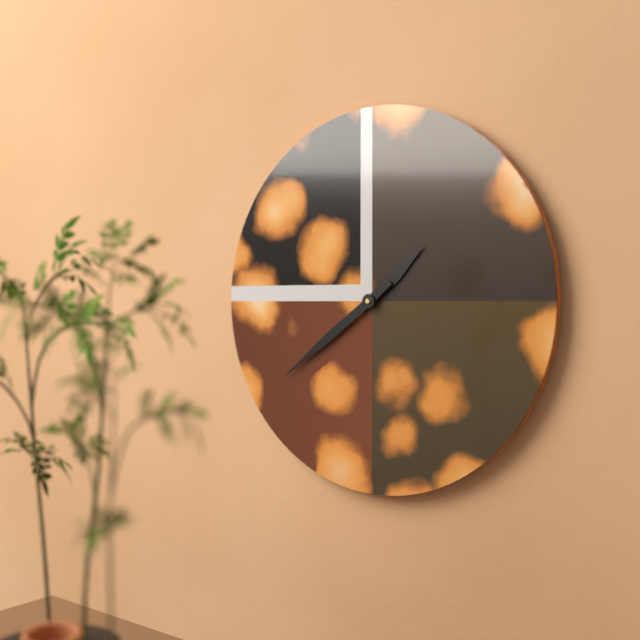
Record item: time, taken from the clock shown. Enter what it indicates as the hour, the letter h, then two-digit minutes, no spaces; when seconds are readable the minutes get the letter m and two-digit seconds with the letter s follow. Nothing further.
1h39
